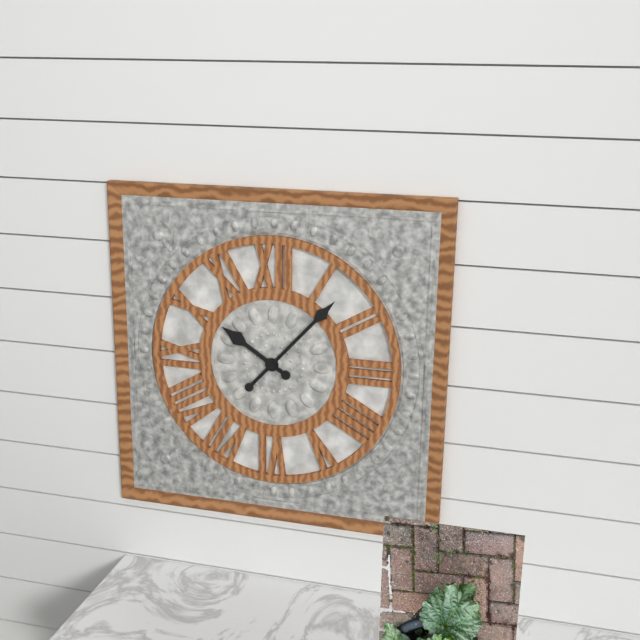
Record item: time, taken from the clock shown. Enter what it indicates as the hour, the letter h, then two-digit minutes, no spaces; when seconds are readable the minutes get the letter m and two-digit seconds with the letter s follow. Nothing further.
10h07
